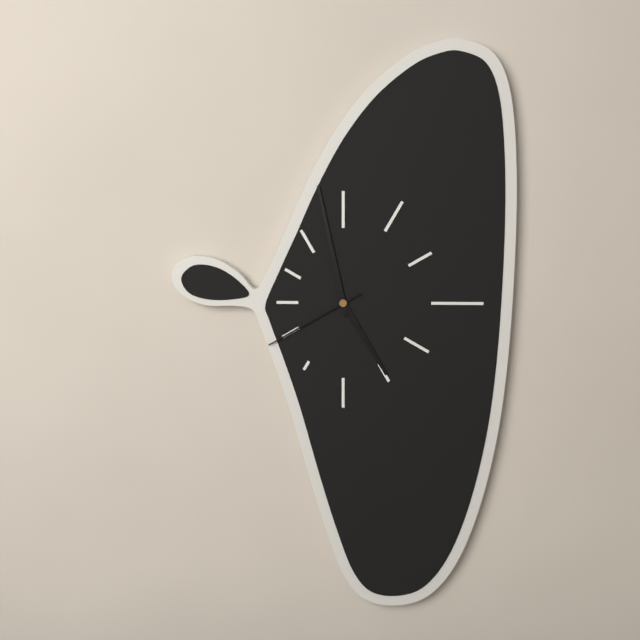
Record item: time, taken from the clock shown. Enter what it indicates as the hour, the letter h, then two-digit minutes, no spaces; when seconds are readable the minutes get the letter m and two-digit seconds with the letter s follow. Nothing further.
4h58m40s
